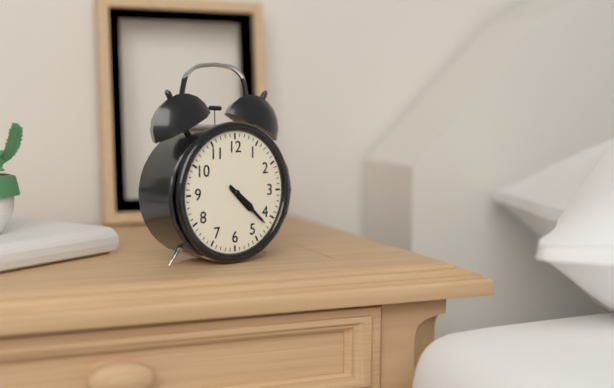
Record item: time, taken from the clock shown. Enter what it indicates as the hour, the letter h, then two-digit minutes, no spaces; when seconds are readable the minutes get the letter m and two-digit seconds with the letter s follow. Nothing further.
4h22
